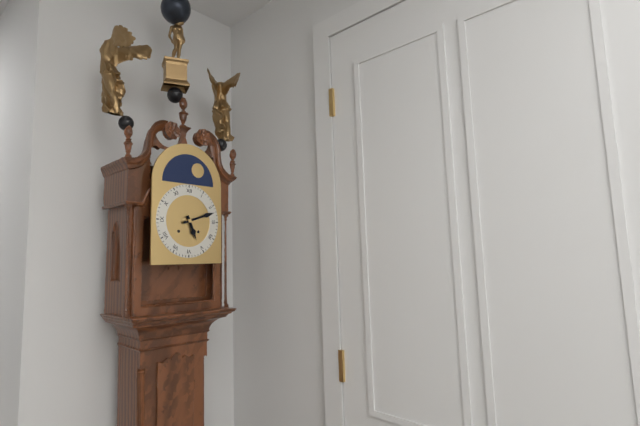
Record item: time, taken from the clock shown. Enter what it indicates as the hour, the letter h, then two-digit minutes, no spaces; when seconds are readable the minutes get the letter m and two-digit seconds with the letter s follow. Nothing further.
5h12
